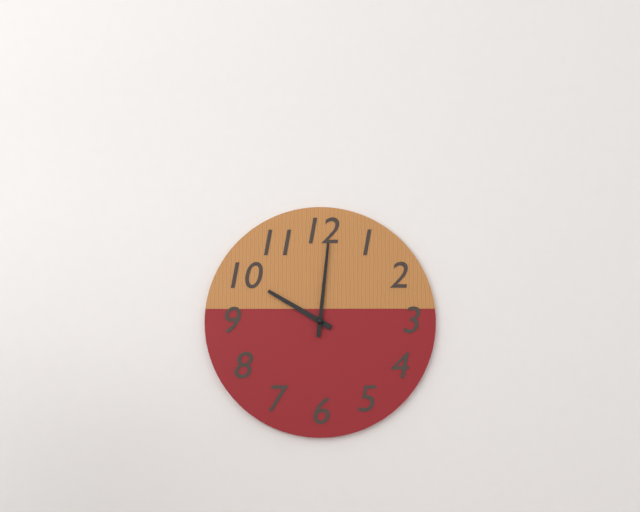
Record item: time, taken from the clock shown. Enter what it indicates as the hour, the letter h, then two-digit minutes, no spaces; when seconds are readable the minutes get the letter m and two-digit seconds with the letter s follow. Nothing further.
10h01
